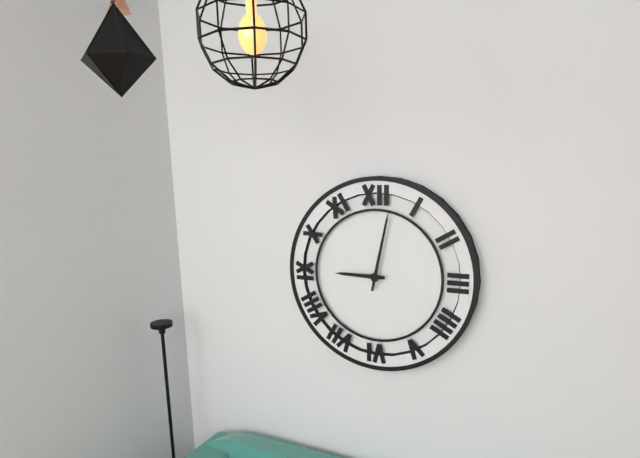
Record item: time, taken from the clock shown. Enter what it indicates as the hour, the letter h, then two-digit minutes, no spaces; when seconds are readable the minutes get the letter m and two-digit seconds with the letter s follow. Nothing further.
9h02
